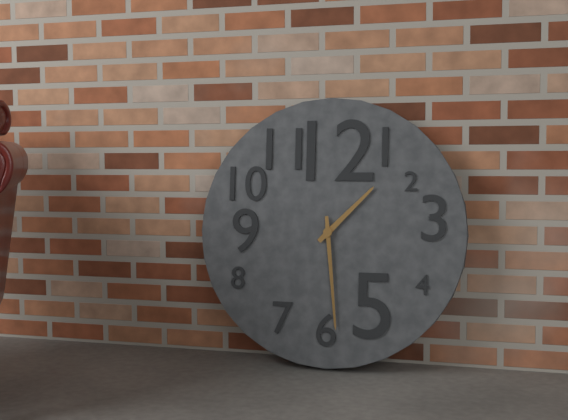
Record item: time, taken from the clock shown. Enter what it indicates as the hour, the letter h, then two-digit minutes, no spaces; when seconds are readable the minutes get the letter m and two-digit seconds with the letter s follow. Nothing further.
1h29
